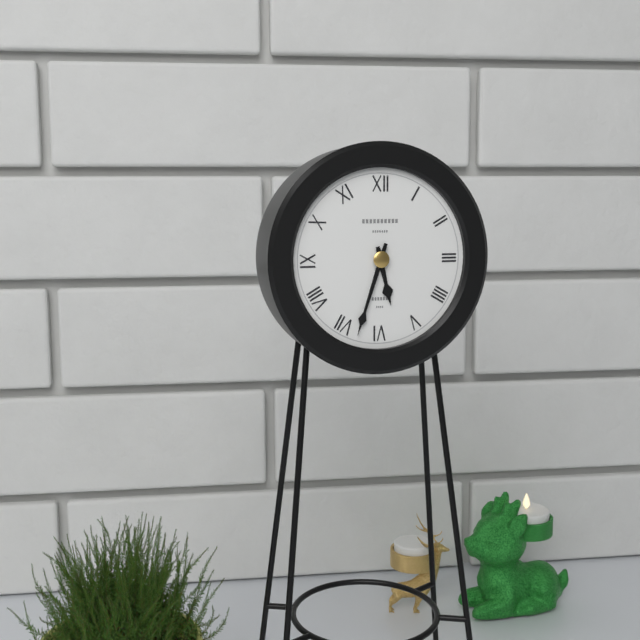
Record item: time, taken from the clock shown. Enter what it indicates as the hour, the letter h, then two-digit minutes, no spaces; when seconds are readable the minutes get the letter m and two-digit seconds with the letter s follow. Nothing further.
5h33
